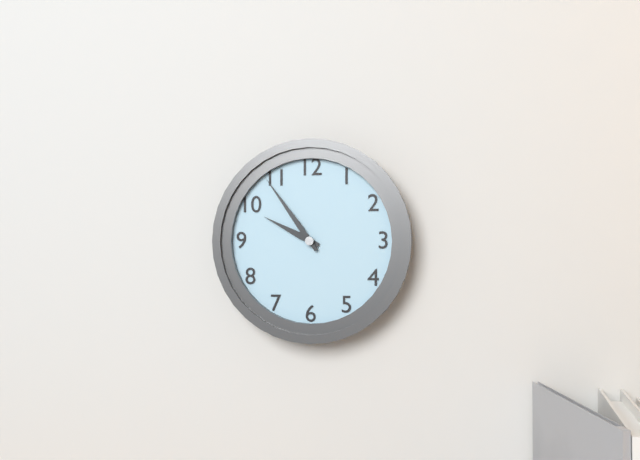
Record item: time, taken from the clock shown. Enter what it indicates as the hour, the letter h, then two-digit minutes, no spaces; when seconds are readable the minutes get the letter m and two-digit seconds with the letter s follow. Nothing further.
9h54
